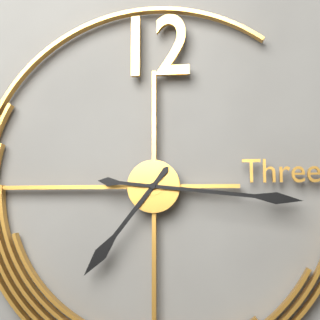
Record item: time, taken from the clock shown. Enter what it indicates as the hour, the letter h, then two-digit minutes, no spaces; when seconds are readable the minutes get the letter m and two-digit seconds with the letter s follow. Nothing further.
7h16
